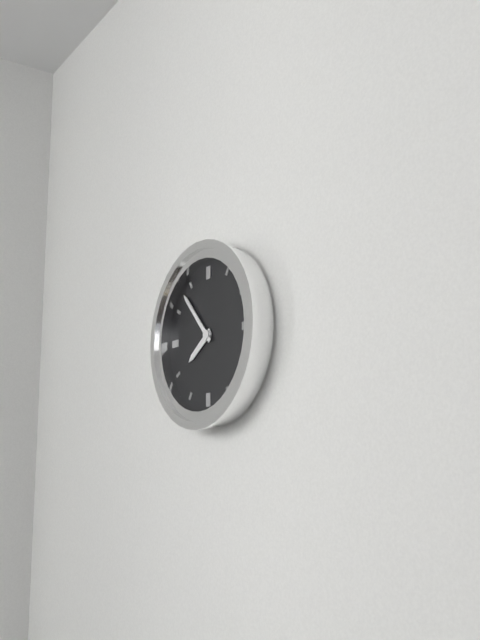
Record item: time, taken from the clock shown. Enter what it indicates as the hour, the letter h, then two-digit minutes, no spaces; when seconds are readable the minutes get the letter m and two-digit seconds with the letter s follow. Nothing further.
7h53
